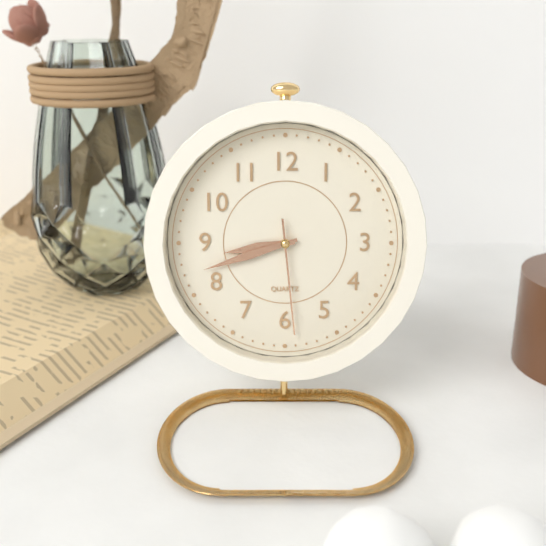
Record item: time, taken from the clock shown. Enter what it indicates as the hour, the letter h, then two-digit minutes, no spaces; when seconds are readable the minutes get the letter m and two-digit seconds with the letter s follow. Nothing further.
8h42m29s
